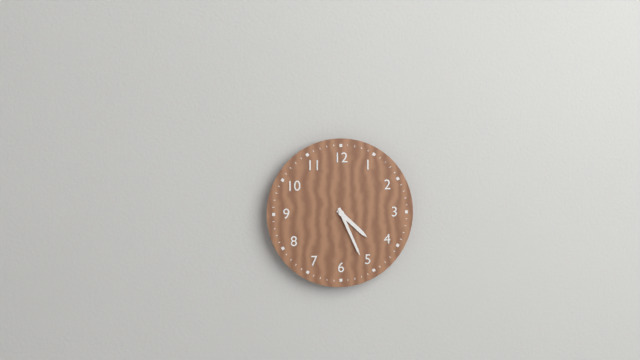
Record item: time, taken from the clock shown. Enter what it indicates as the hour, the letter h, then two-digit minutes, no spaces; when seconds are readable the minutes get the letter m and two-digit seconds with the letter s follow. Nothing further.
4h26
